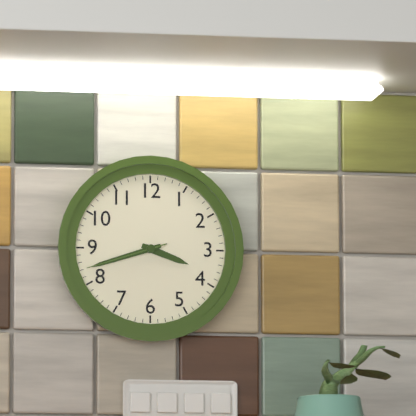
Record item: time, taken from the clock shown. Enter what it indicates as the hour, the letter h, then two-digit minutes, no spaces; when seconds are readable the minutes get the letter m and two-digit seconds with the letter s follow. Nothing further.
3h42m42s
